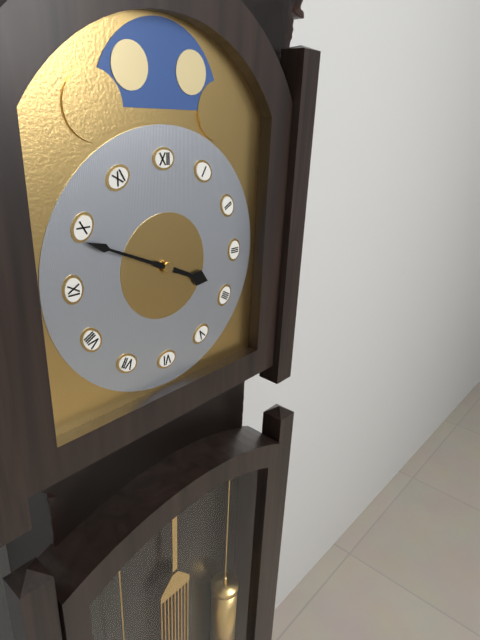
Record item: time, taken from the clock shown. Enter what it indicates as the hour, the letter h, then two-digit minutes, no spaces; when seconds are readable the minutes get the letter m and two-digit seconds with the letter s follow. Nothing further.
3h49
